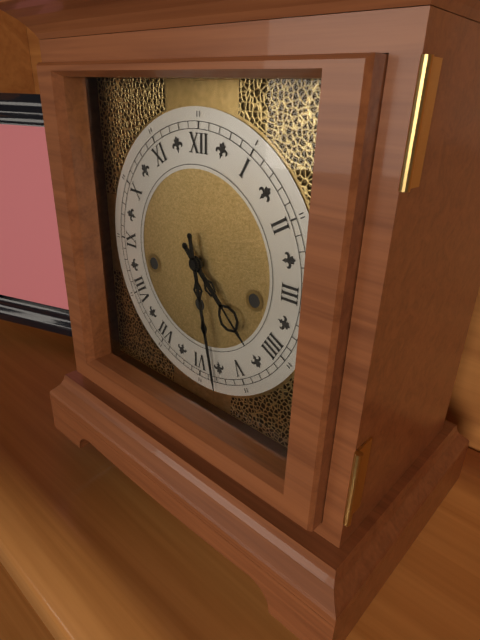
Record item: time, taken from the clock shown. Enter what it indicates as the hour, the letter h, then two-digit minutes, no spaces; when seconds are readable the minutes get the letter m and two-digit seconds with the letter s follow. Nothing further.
4h28
